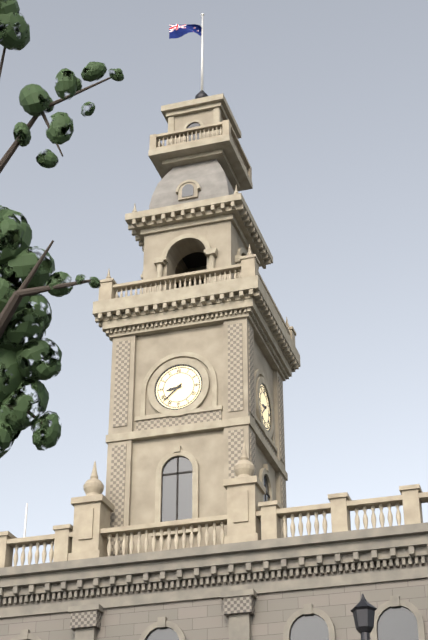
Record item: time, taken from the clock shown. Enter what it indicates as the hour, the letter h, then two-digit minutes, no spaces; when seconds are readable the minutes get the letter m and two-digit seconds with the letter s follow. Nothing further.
8h38
